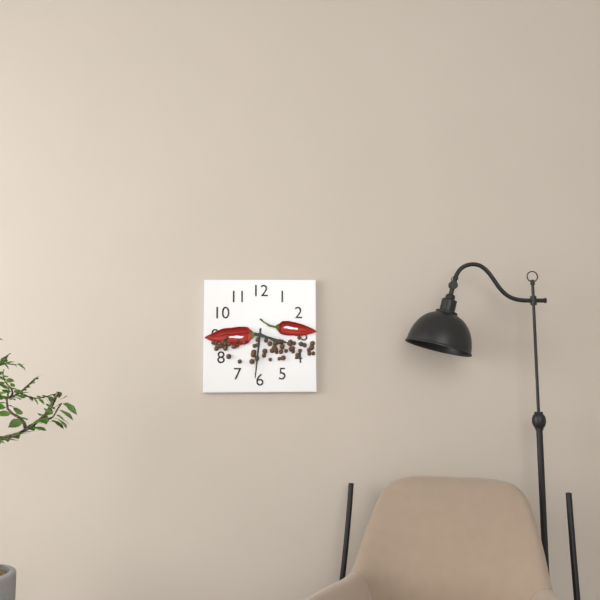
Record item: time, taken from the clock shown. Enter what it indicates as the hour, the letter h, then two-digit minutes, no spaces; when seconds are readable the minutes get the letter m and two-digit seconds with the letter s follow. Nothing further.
3h31
